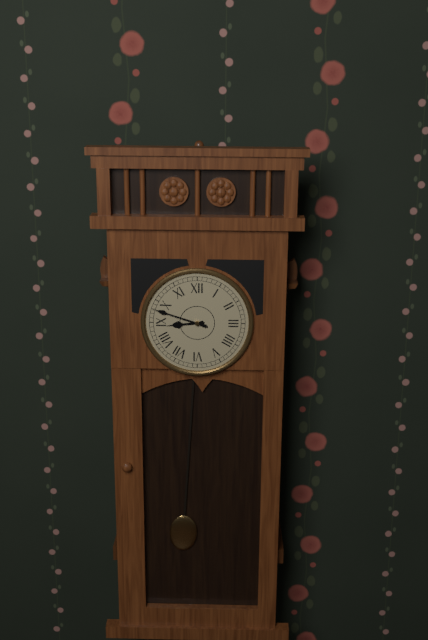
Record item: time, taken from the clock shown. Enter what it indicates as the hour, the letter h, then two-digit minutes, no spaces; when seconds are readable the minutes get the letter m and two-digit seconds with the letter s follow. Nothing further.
8h48
